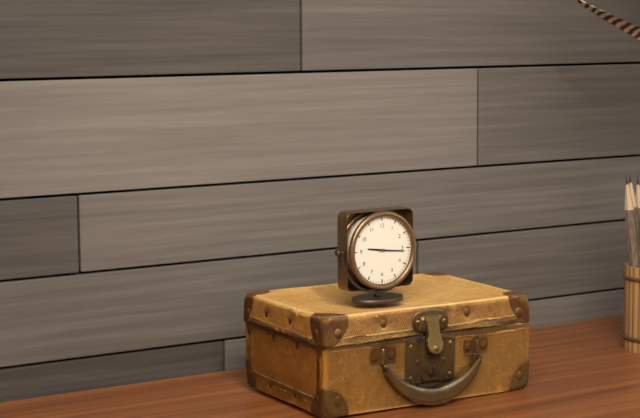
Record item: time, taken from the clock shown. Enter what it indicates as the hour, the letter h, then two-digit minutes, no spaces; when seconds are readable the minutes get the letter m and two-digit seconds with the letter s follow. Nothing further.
9h16
